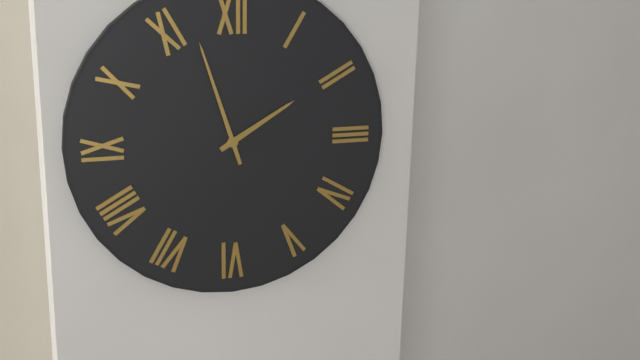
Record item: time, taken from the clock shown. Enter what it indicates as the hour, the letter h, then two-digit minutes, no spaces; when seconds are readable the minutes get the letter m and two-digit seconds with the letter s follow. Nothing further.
1h57
